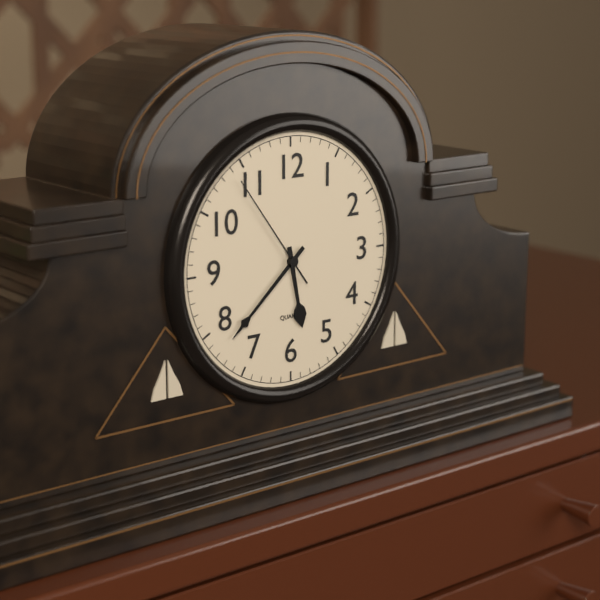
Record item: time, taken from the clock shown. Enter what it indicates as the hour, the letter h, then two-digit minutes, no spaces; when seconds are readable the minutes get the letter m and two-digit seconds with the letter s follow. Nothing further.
5h38m54s
